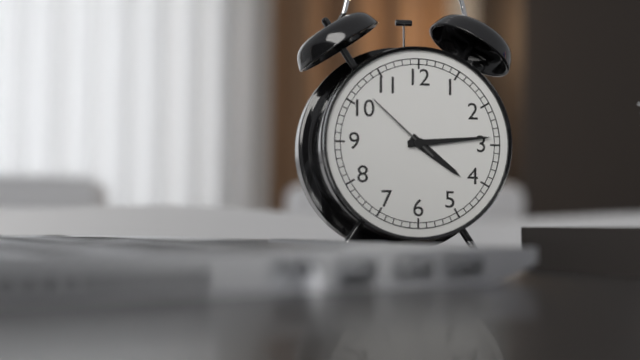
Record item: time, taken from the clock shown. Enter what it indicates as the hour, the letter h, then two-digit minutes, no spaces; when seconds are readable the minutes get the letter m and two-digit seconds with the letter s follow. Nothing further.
4h14m52s
